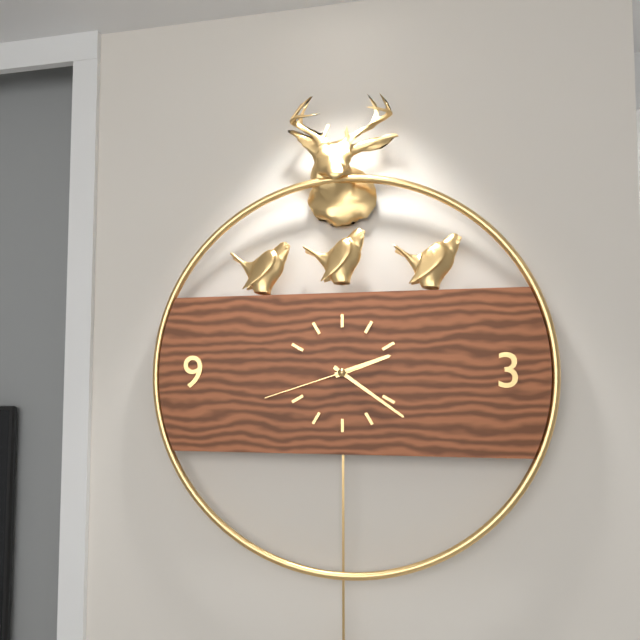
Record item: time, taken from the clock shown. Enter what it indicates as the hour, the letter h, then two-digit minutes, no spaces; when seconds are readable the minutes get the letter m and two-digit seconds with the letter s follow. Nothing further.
2h21m42s
